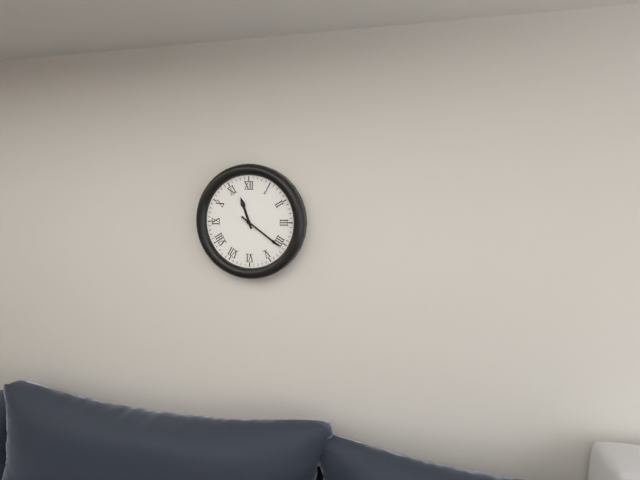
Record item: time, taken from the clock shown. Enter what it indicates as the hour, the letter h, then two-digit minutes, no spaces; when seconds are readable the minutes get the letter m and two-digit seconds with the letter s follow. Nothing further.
11h21
